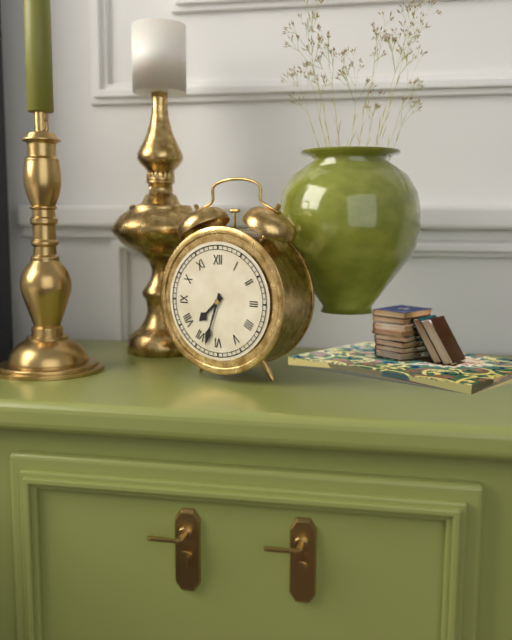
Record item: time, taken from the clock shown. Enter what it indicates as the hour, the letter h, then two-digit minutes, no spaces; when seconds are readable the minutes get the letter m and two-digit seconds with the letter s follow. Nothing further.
7h33
